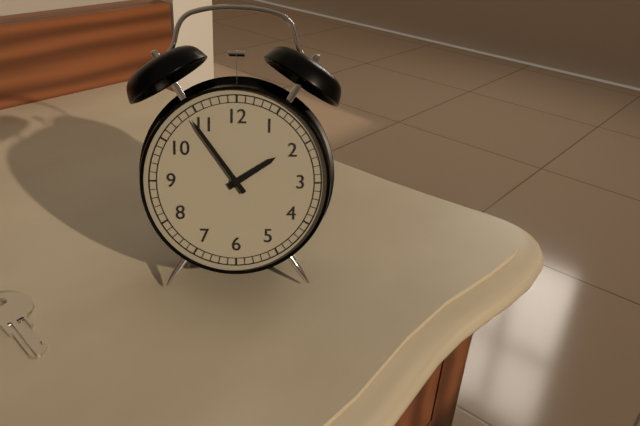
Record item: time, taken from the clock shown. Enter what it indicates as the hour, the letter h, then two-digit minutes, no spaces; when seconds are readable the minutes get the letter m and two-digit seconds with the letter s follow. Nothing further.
1h54
